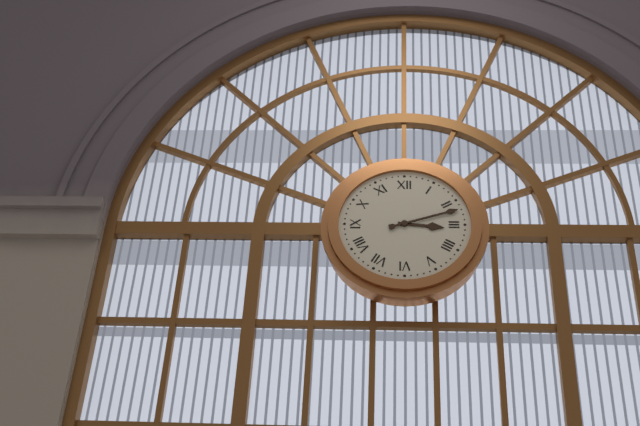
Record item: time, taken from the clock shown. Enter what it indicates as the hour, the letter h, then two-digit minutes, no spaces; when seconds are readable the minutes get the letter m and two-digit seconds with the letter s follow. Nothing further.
3h12
